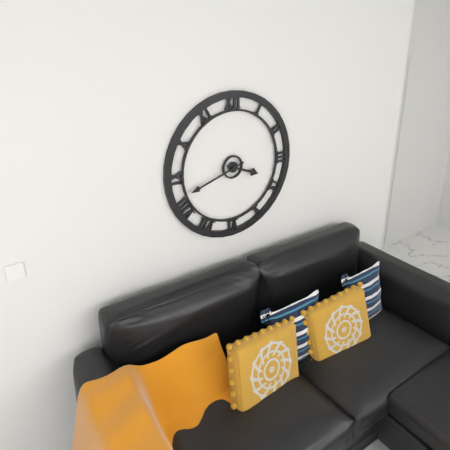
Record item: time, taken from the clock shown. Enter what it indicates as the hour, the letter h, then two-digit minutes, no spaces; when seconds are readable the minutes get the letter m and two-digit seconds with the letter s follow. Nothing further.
3h42
